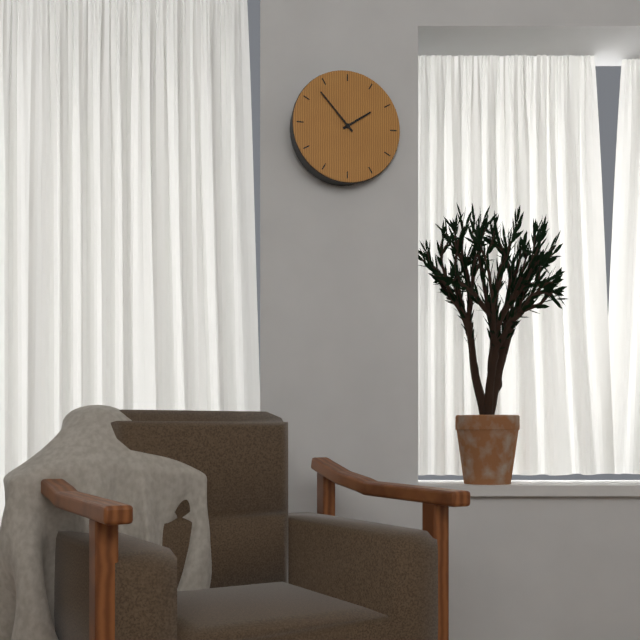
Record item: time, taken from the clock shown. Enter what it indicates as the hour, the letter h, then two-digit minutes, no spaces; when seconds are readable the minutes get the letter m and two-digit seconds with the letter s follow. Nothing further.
1h53
